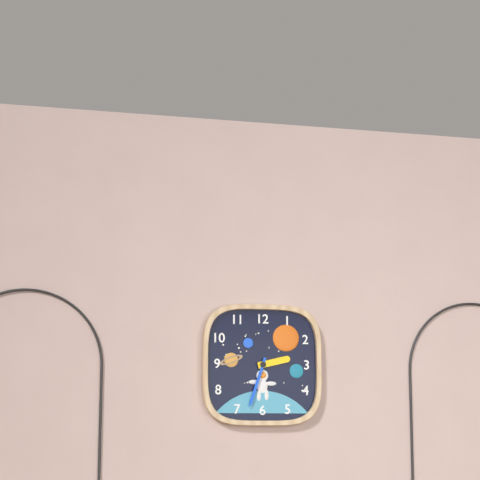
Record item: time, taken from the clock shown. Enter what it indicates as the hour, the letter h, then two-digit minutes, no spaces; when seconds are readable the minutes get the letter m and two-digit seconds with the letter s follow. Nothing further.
2h33
